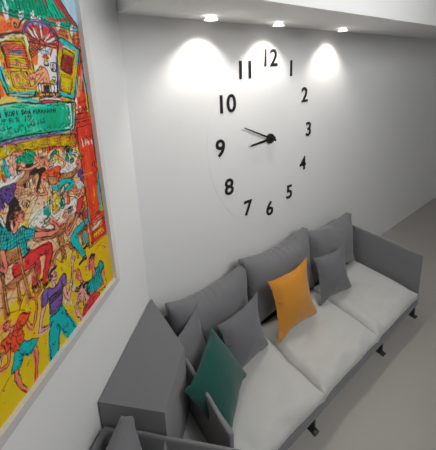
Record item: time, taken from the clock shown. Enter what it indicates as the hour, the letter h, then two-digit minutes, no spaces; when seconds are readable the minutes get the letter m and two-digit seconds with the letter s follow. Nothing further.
8h49
